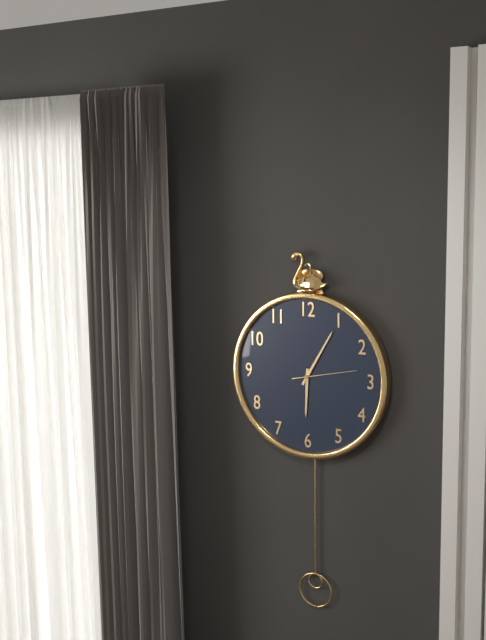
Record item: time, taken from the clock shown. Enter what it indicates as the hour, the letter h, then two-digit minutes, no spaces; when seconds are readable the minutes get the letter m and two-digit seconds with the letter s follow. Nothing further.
6h05m13s
